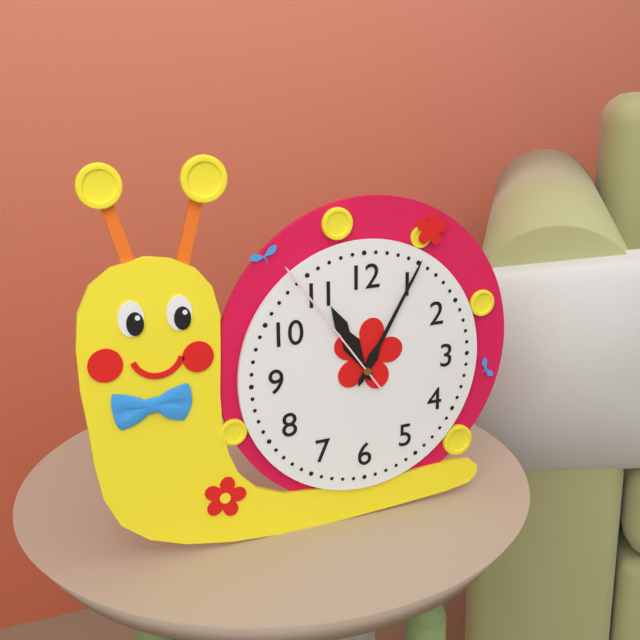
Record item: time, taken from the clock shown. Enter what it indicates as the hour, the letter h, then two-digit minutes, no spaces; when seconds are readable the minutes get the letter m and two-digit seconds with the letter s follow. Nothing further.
11h05m54s
